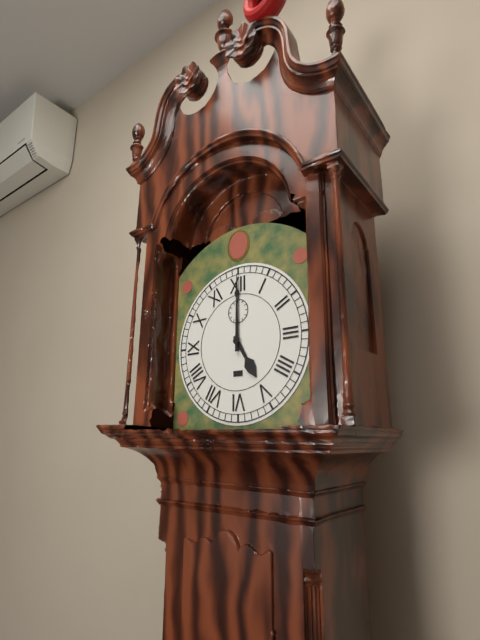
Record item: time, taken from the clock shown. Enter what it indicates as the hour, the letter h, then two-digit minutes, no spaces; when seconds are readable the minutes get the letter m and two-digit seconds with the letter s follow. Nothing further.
5h00
